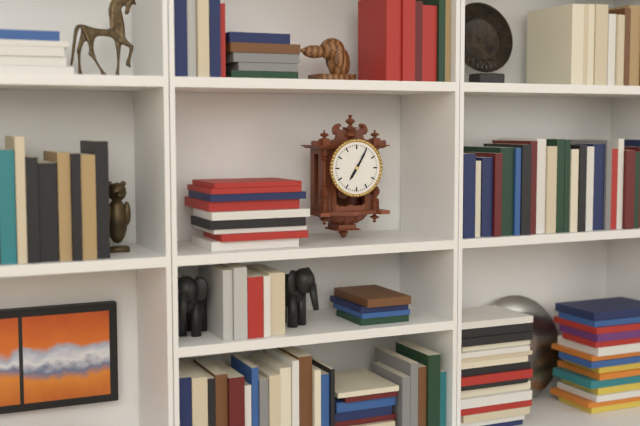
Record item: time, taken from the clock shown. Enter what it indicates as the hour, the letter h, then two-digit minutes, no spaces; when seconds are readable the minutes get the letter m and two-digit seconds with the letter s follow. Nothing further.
7h05
